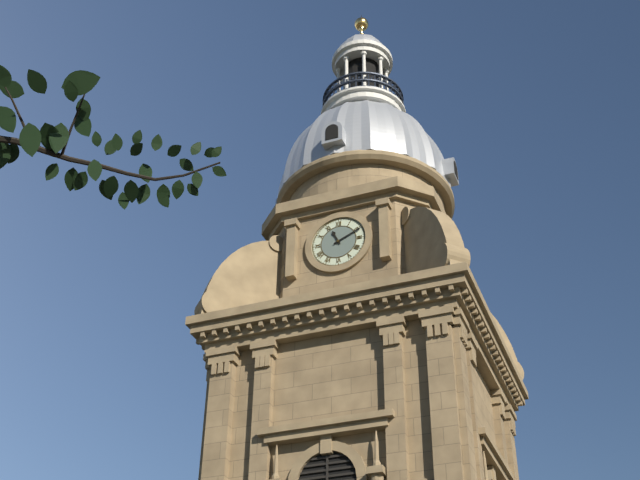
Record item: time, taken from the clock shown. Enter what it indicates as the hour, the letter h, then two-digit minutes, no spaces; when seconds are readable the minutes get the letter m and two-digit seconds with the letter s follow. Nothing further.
11h11
